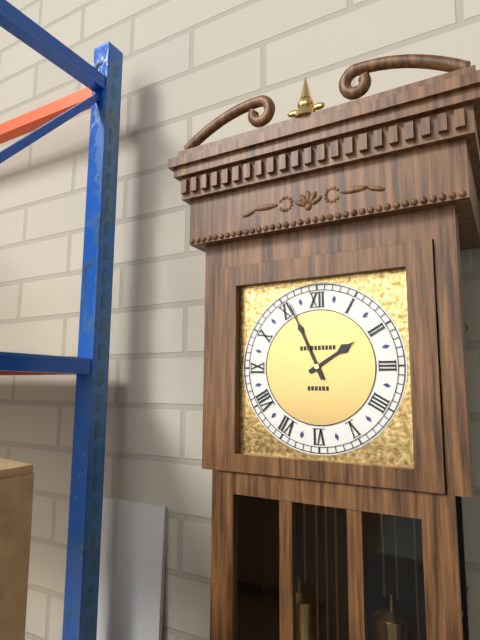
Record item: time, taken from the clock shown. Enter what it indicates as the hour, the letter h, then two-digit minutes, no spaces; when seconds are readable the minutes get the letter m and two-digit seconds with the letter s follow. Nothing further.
1h56
